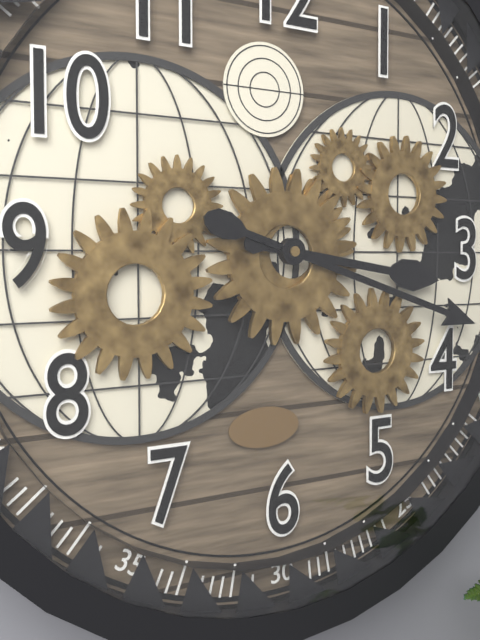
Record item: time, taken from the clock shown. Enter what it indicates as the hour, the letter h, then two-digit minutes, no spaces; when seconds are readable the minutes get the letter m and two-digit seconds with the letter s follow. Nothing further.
3h18
